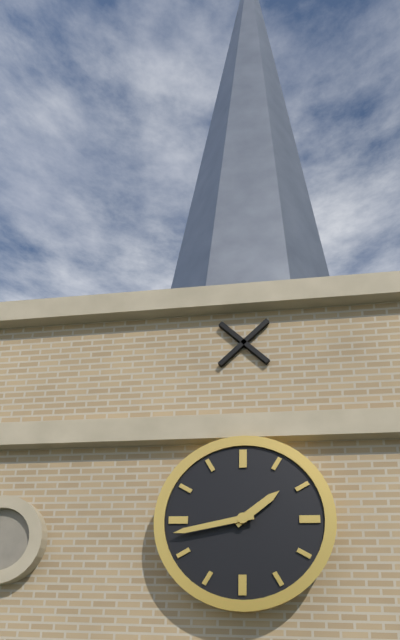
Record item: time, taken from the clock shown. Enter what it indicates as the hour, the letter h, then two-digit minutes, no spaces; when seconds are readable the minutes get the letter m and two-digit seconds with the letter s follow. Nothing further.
1h43
